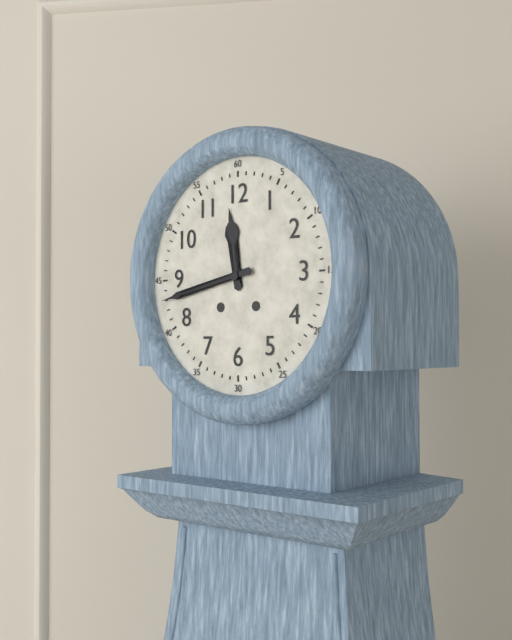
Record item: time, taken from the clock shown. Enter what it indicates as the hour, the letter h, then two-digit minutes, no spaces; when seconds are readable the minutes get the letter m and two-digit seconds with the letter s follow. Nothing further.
11h43
